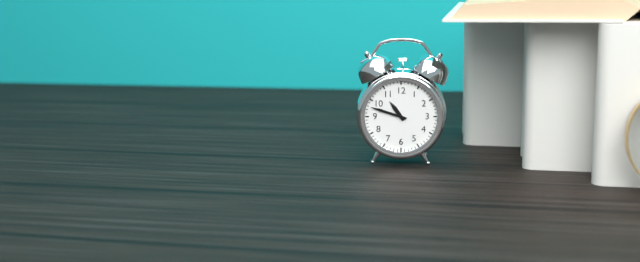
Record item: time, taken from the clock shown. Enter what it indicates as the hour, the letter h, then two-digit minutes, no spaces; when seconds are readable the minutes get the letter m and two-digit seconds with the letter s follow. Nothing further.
10h48
